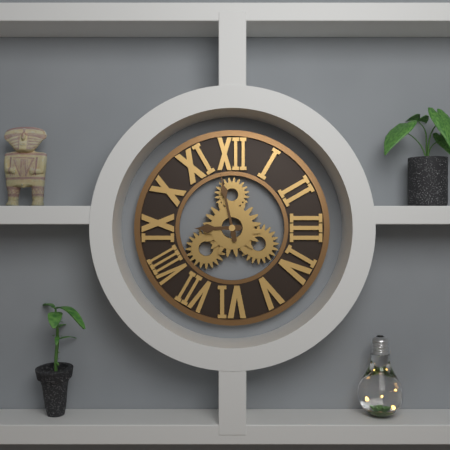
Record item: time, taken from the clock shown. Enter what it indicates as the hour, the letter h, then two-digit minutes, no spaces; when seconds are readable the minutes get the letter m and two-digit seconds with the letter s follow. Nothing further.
8h58
